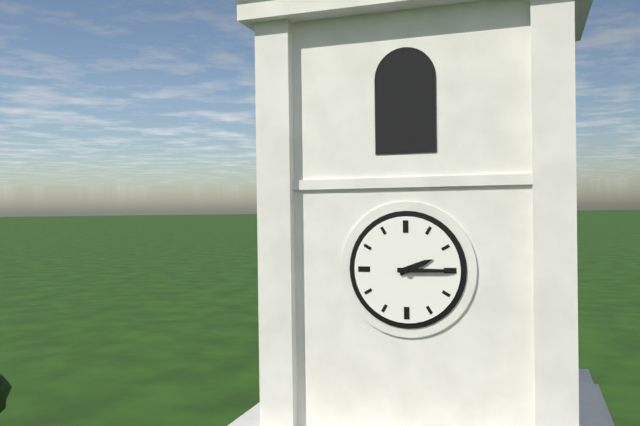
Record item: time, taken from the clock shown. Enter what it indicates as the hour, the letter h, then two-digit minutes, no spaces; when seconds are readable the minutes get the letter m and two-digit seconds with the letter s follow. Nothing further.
2h15
